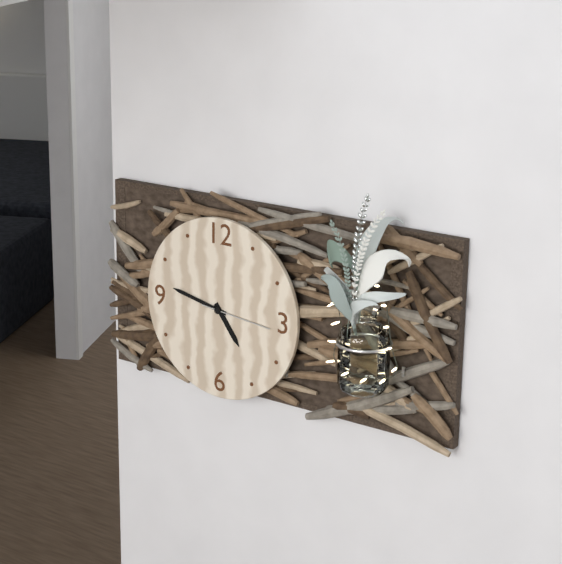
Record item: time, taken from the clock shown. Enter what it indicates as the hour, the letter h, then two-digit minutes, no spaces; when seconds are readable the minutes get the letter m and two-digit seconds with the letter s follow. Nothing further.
4h47m16s
